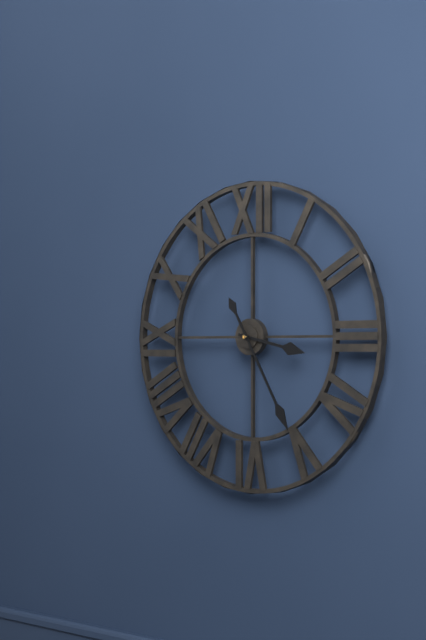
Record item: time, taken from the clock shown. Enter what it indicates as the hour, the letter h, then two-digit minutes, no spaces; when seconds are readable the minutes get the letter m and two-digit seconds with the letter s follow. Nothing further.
3h25
